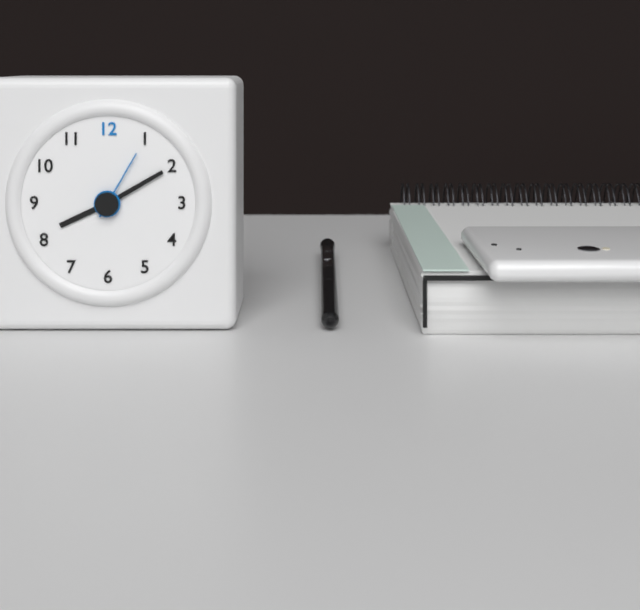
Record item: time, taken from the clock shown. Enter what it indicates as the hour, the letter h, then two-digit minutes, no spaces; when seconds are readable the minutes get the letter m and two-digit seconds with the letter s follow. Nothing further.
8h10m05s
